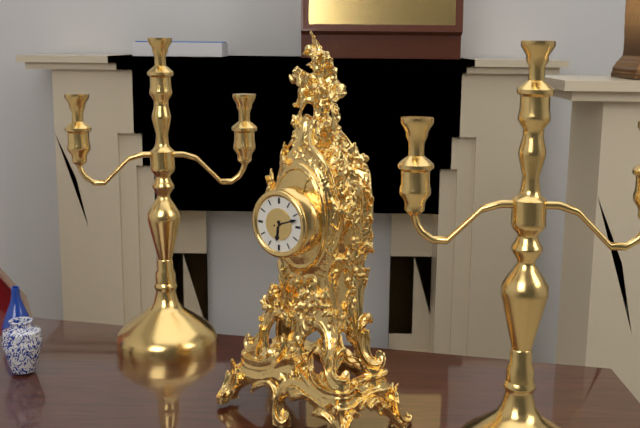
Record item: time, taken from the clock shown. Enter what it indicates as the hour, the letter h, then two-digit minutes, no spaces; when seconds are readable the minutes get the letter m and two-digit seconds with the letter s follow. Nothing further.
6h12
